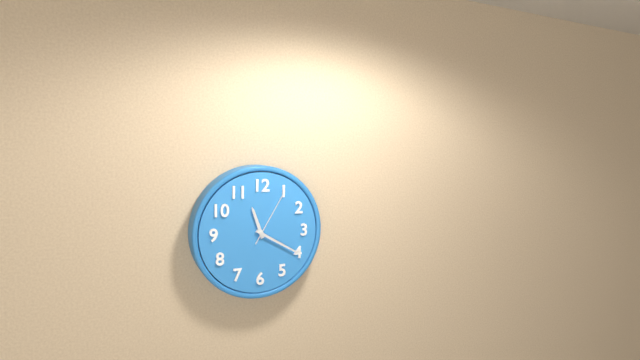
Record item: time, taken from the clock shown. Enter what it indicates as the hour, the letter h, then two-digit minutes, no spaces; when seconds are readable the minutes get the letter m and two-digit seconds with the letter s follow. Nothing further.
11h20m05s
